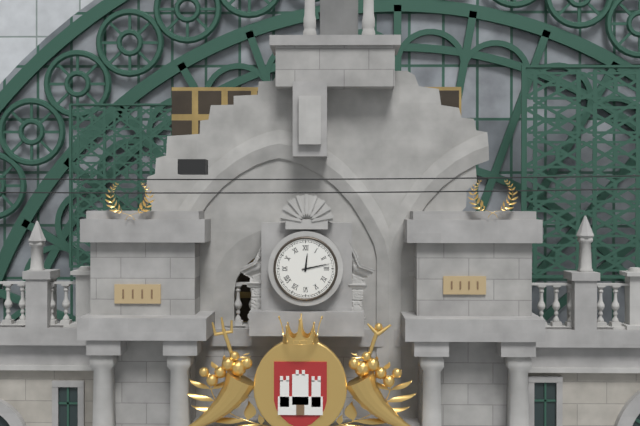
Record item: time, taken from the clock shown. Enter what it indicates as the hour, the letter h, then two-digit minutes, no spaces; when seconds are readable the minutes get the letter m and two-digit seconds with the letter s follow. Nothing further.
12h13
